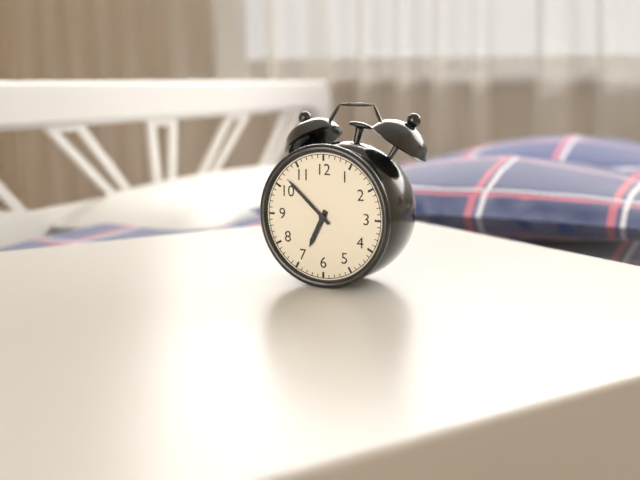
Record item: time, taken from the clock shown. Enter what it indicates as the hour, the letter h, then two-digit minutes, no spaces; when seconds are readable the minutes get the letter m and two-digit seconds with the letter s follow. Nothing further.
6h52
